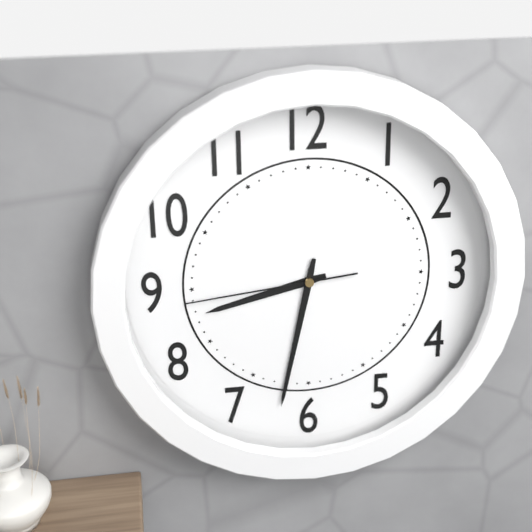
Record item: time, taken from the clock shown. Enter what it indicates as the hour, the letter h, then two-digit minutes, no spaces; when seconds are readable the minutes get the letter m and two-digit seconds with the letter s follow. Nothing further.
8h32m44s
